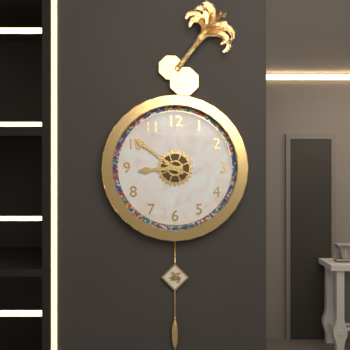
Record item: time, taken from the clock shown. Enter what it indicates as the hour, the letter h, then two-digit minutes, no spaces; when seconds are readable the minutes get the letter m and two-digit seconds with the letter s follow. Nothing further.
8h51
